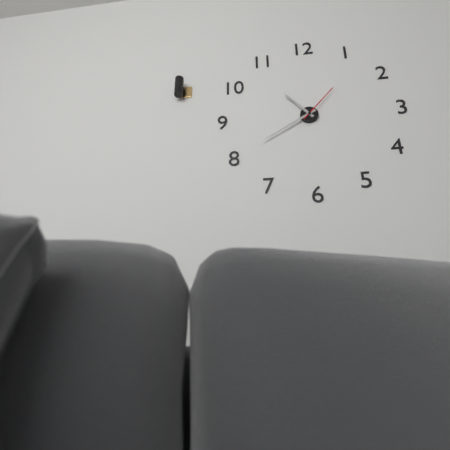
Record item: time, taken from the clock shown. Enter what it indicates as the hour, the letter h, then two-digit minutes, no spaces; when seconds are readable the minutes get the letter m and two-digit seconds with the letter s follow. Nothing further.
10h40
